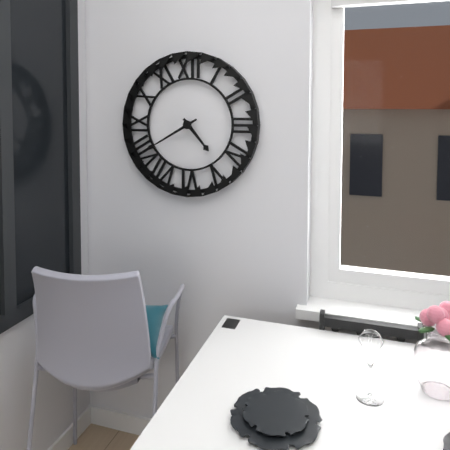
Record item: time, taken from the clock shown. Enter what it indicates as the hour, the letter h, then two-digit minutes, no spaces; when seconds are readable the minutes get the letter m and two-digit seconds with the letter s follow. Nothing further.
4h40
